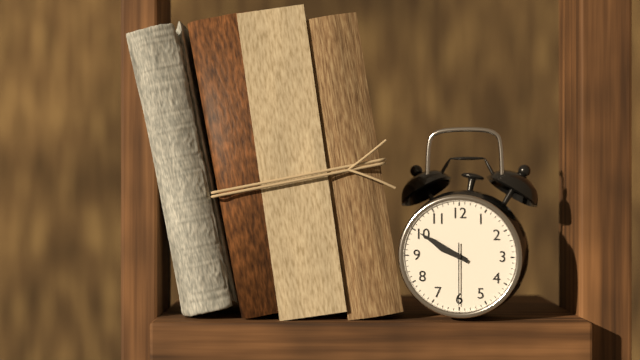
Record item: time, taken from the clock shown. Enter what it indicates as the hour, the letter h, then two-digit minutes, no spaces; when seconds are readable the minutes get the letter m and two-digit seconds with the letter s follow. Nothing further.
9h50m30s
